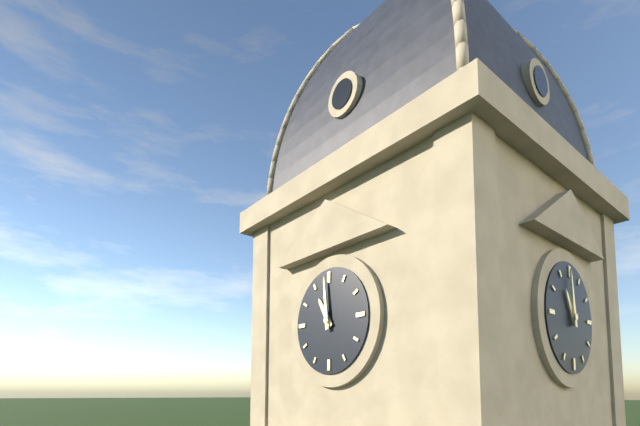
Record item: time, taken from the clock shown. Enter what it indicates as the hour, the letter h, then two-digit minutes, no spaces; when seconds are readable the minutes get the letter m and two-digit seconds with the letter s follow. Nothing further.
10h59
